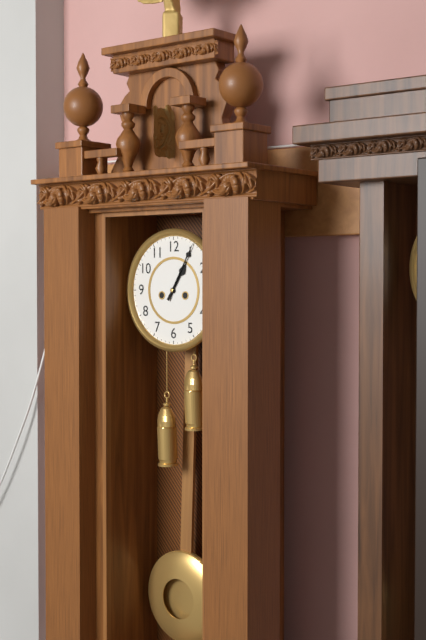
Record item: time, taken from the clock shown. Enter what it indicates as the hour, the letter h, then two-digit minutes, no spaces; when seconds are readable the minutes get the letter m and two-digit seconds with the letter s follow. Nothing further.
1h05
